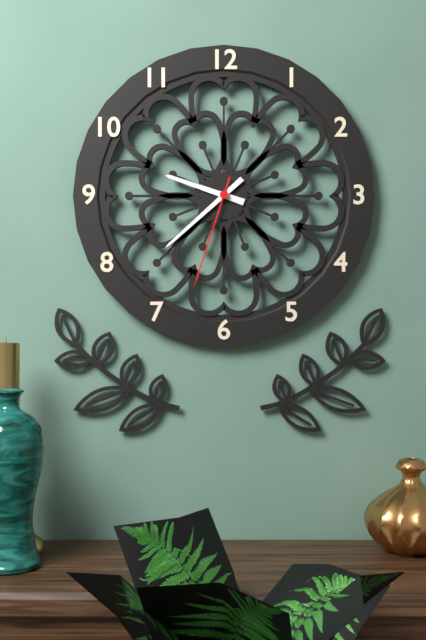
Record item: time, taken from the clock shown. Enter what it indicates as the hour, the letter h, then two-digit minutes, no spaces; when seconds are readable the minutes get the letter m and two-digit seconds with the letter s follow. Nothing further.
9h38m33s
